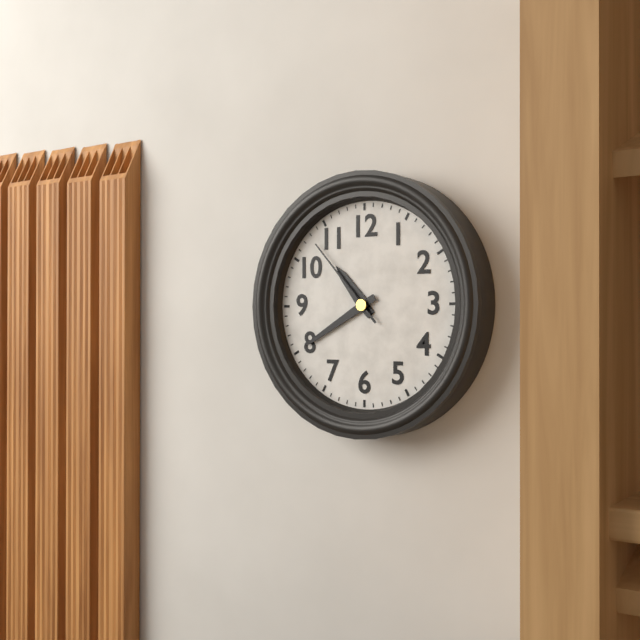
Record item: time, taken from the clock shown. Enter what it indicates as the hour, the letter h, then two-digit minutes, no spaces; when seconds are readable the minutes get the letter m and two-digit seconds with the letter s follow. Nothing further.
10h40m53s
